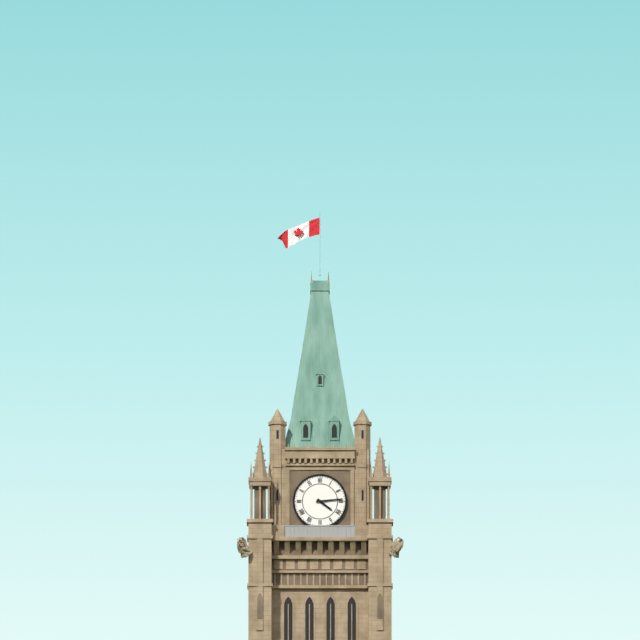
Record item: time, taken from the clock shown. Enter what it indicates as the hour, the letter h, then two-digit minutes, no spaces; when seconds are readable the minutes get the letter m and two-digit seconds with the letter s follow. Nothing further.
4h14
